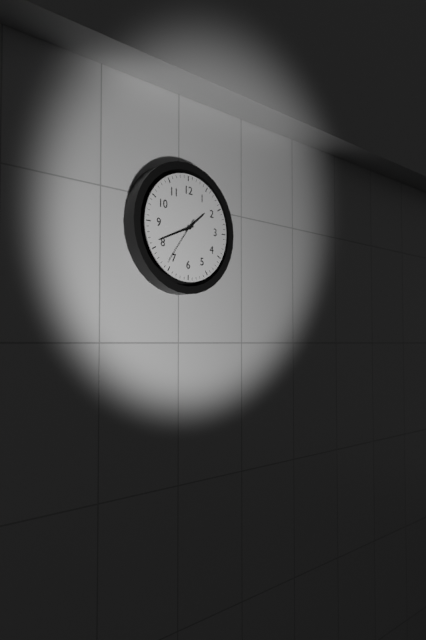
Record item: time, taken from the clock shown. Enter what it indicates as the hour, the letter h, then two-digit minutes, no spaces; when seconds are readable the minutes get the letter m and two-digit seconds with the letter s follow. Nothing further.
1h41m36s
